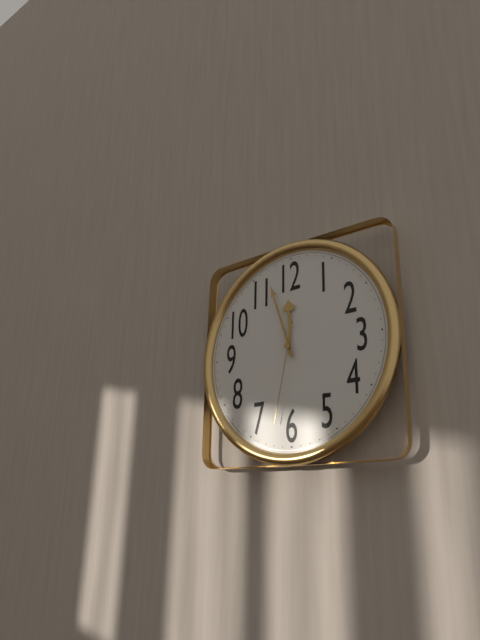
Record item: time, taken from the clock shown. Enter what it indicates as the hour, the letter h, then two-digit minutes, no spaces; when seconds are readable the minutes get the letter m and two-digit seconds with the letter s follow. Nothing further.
11h57m32s
